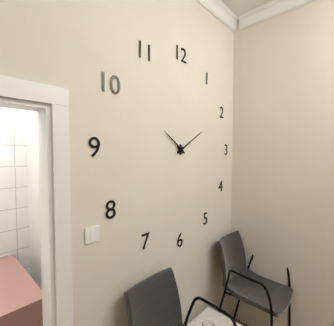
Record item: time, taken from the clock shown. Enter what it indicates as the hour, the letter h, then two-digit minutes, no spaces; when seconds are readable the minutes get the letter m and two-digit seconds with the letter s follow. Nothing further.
10h10
